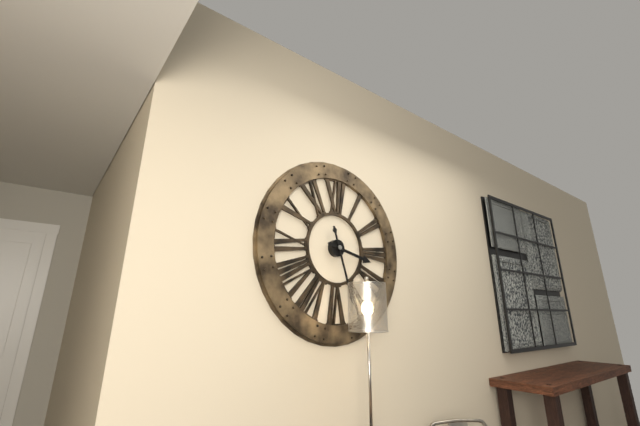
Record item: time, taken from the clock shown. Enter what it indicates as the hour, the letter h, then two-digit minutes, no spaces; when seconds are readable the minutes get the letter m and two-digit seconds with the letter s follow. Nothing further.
3h27
